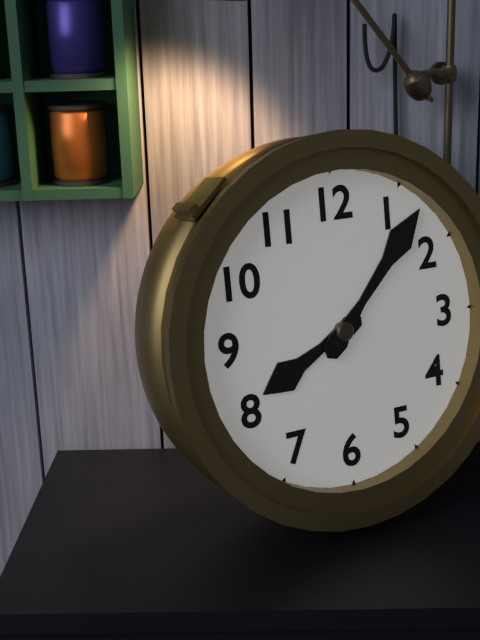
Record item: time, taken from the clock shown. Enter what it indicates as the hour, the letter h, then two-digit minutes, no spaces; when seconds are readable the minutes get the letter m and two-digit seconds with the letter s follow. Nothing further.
8h07
